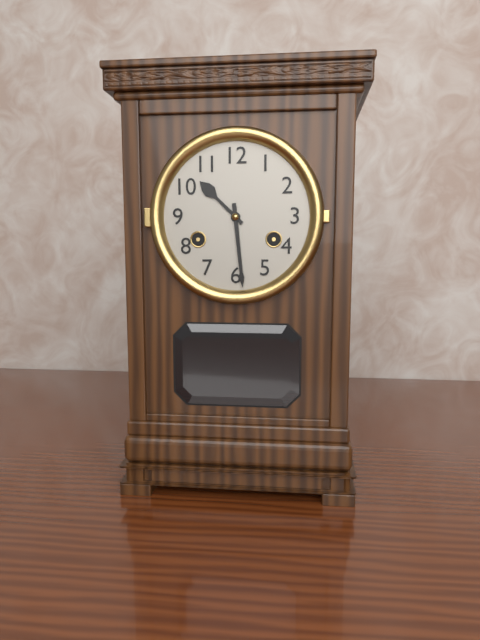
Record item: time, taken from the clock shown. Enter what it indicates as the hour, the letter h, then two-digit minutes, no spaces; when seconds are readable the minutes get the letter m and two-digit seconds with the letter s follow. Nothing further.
10h29
